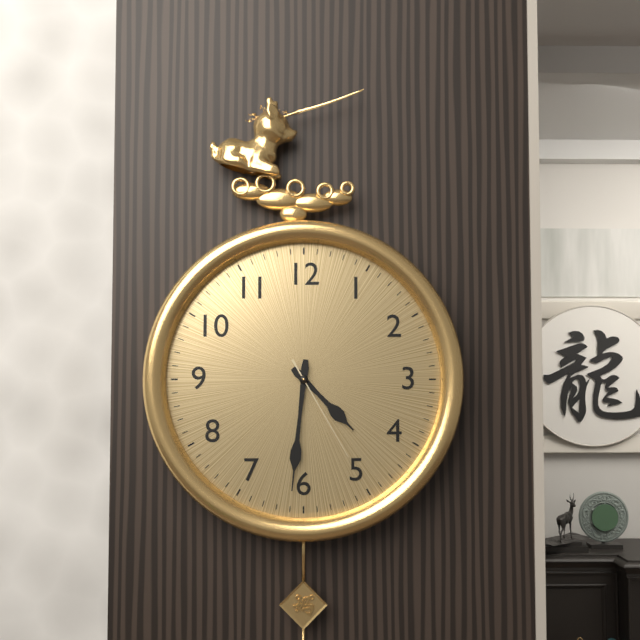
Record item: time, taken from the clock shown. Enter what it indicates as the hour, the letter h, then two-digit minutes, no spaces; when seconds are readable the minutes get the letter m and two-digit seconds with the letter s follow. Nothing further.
4h31m25s
